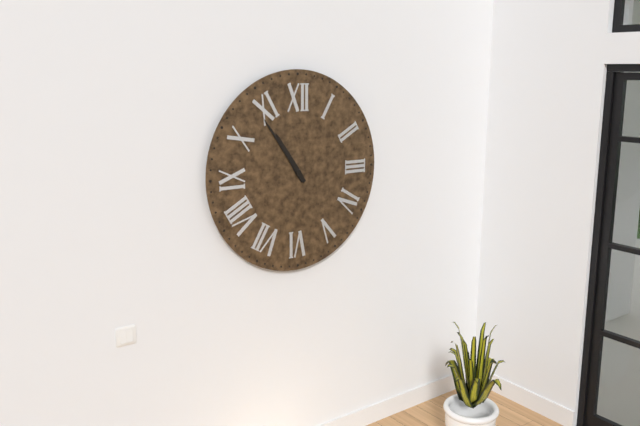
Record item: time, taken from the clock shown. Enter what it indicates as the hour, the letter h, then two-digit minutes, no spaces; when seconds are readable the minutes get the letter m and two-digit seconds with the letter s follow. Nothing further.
10h54
